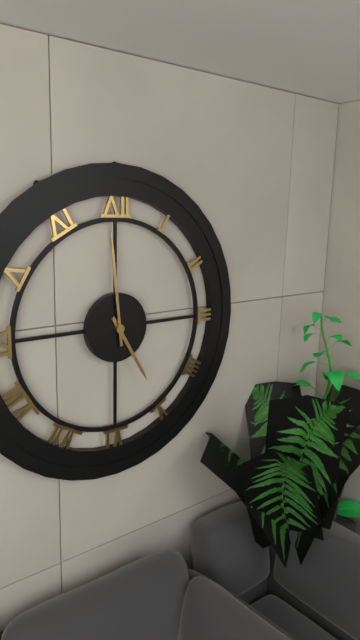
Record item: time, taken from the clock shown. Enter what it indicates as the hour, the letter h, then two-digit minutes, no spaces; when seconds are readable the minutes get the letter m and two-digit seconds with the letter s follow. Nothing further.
4h59
